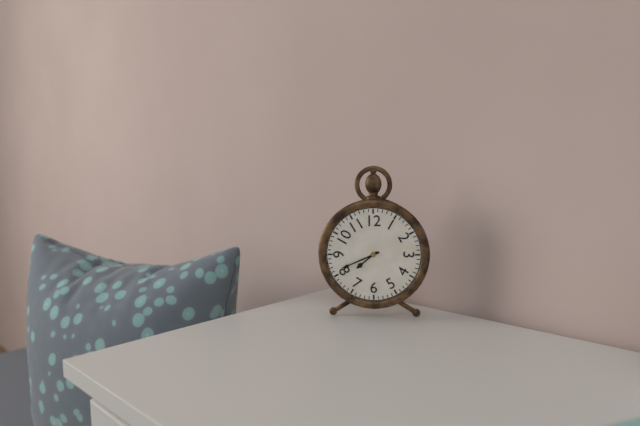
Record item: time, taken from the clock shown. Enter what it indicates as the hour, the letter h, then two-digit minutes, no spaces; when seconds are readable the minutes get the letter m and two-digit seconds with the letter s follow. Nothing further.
7h41
